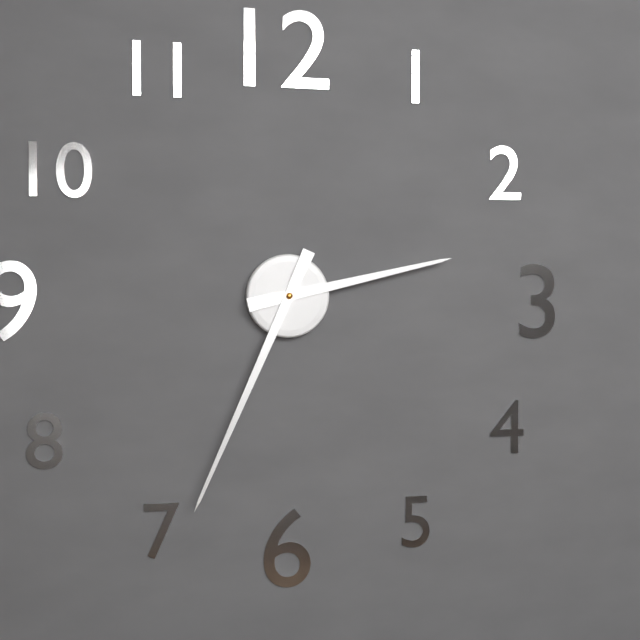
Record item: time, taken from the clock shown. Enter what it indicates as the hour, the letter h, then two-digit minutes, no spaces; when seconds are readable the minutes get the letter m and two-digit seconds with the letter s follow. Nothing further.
2h34
